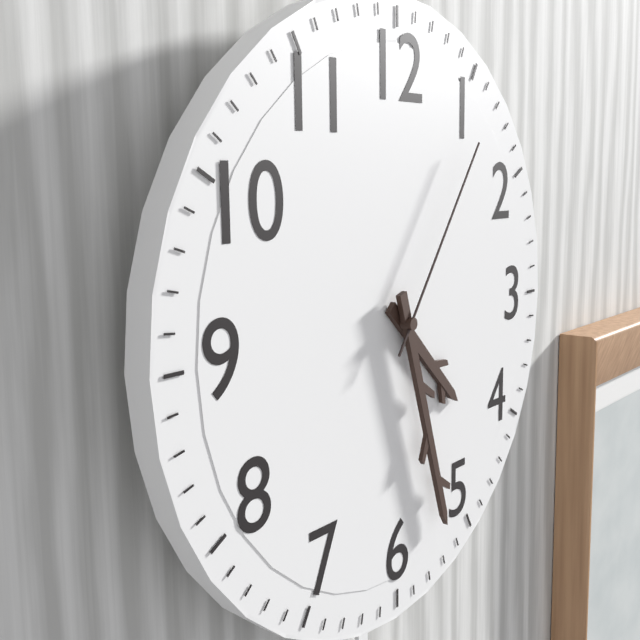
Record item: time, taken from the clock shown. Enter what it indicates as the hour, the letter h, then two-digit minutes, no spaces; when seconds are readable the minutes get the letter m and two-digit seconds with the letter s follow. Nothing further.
4h27m06s
